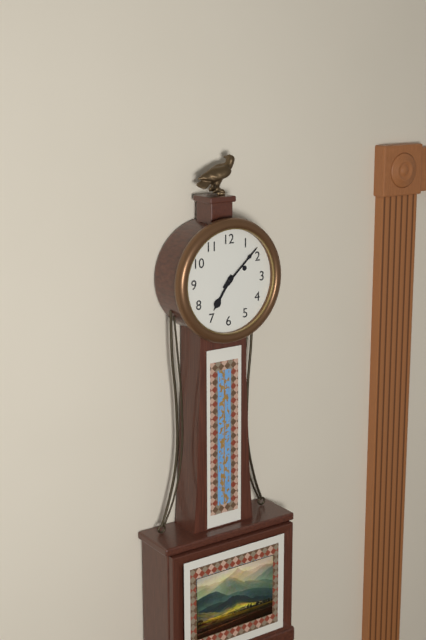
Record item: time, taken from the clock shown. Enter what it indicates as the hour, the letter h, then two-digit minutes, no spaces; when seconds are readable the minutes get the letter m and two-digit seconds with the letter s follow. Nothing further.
7h08
